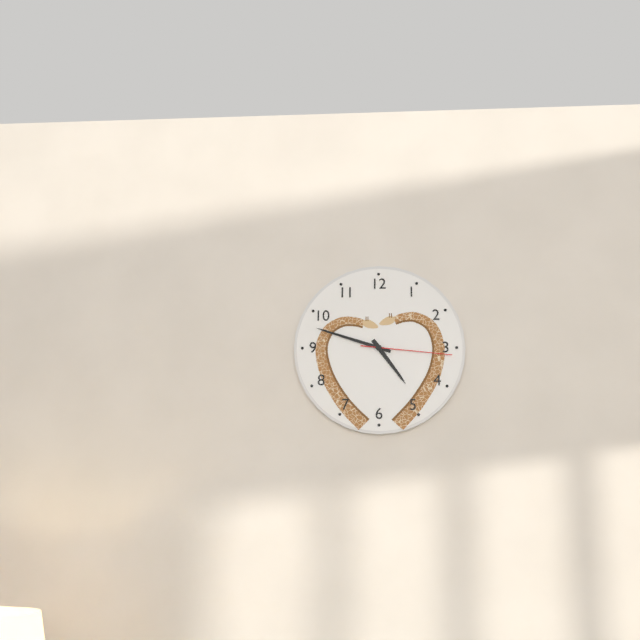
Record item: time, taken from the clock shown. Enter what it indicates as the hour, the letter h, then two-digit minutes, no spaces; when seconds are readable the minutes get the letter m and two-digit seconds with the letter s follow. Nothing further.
4h48m16s
